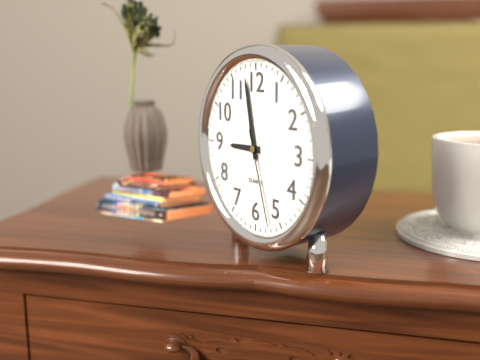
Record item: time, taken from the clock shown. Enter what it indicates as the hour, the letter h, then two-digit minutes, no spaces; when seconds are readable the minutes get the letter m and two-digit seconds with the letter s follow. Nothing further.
8h58m27s
